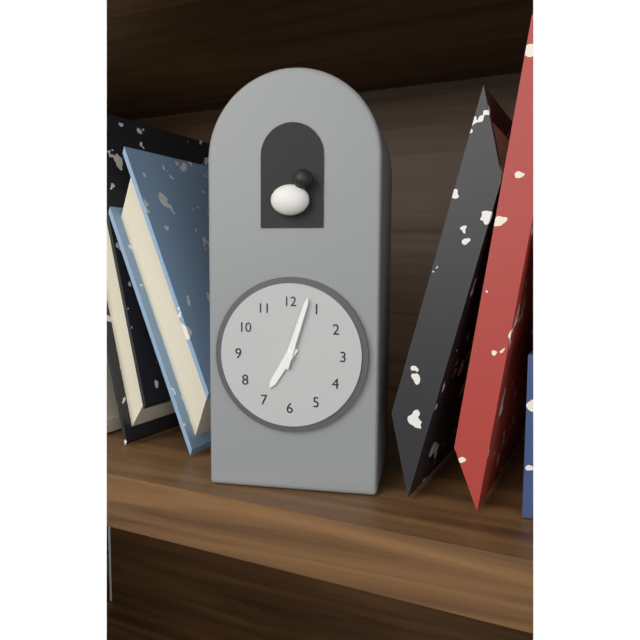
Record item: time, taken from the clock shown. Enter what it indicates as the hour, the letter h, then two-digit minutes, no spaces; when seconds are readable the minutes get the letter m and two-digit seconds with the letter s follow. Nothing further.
7h03
